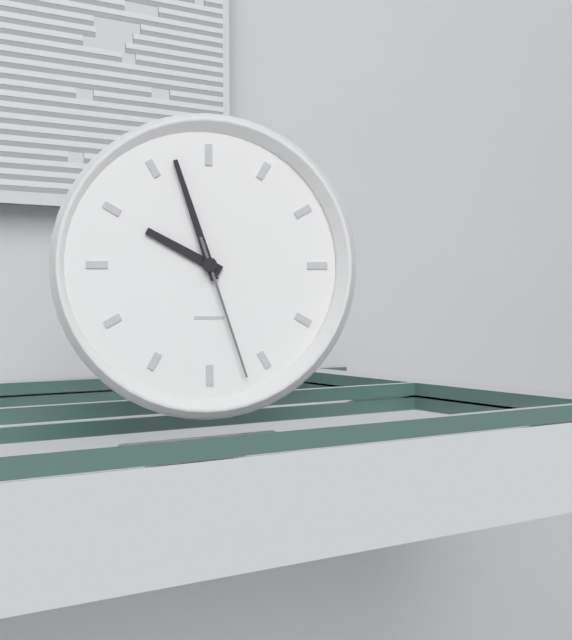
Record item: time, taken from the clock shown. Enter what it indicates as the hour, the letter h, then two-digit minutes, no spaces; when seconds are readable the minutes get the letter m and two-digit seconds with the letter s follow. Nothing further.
9h57m27s
